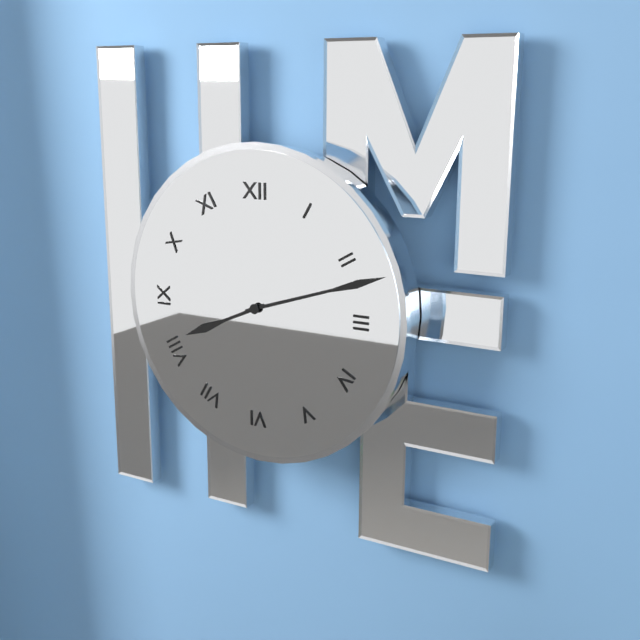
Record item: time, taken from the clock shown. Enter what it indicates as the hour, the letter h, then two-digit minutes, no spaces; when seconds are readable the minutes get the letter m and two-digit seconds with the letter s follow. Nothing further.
8h12
